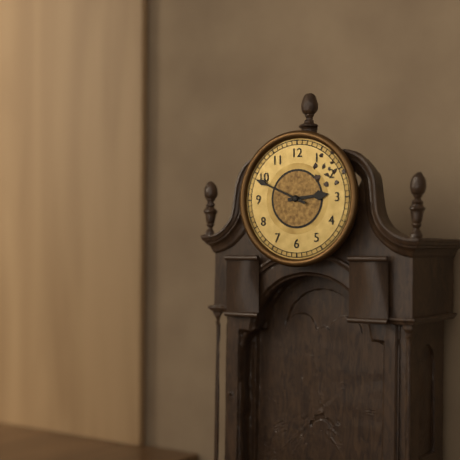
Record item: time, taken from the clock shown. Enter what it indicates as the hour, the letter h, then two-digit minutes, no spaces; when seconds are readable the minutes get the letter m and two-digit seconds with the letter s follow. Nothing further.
2h49
